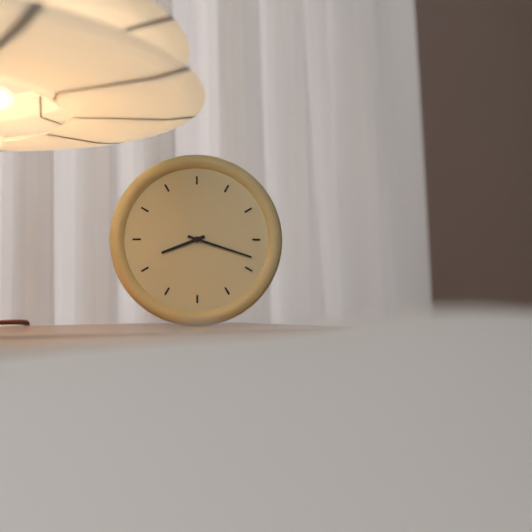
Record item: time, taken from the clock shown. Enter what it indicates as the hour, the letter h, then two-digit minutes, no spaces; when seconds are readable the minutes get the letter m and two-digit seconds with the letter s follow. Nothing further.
8h18
